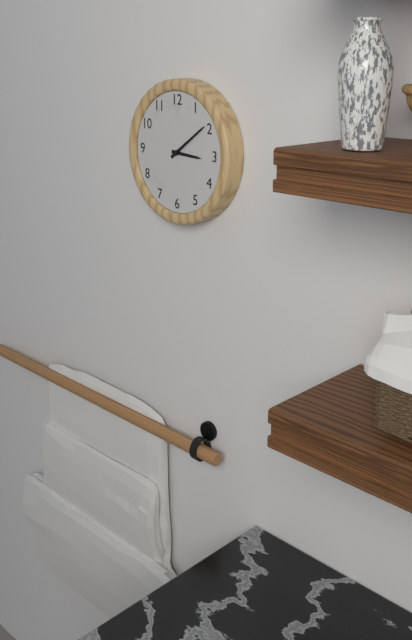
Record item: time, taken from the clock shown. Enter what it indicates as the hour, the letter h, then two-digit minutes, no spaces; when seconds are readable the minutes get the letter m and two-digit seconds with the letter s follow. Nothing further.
3h09
